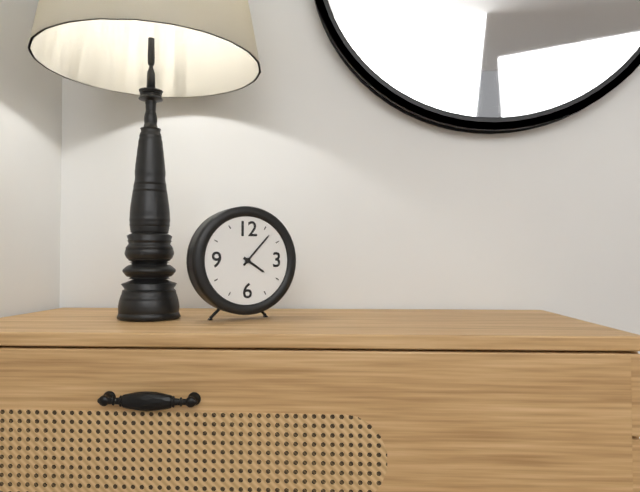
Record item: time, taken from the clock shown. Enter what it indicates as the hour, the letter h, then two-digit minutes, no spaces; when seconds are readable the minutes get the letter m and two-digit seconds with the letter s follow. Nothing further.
4h07
